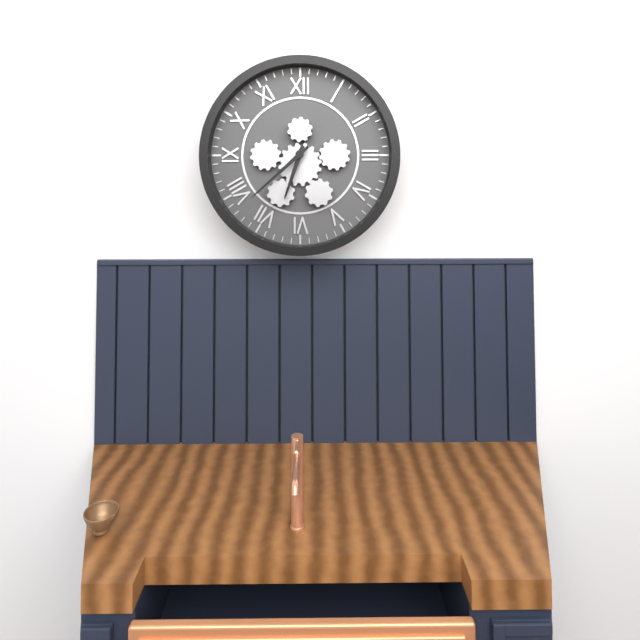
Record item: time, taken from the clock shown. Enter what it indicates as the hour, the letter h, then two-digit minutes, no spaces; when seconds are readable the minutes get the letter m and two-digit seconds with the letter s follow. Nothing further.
6h38
